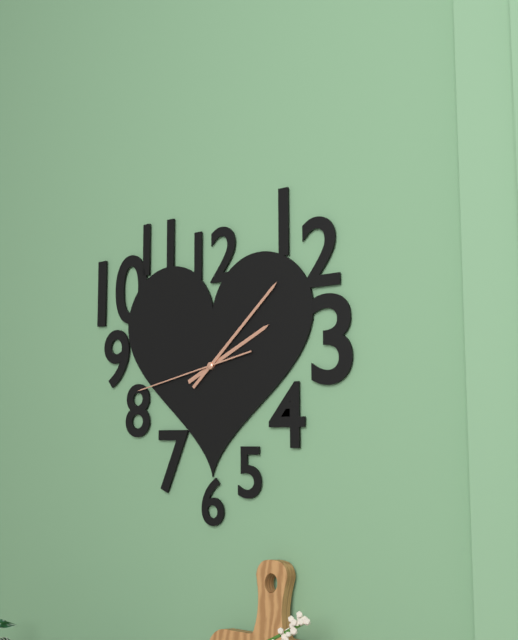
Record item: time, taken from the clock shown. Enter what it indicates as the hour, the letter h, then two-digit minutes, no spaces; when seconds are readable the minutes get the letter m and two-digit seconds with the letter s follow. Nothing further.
2h08m43s
